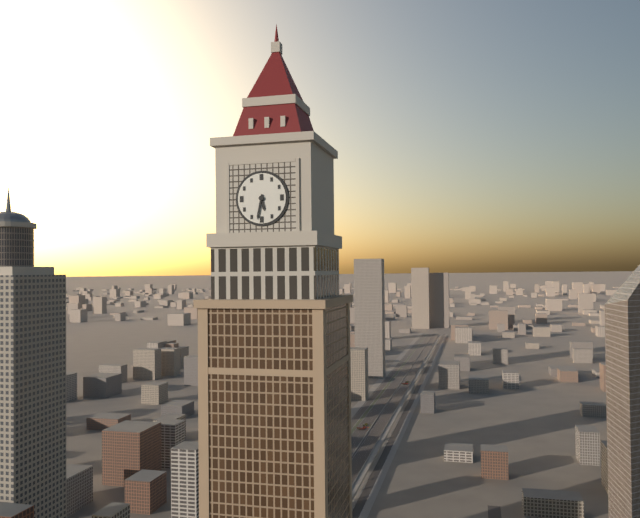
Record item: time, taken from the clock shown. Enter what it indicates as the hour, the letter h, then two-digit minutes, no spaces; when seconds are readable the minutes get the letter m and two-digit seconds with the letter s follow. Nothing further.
5h32
